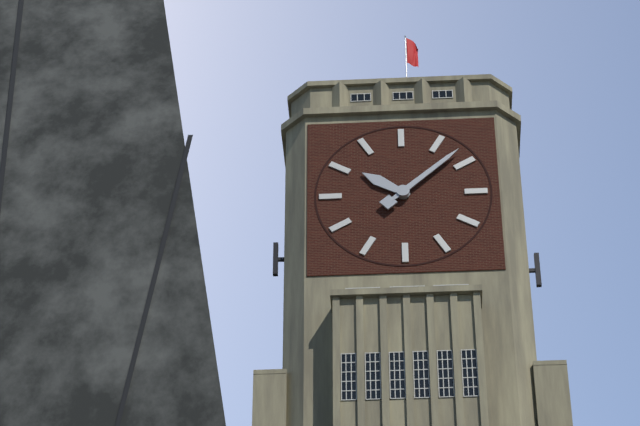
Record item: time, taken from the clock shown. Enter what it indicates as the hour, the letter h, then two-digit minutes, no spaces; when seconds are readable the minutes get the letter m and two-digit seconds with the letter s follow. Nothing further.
10h08
